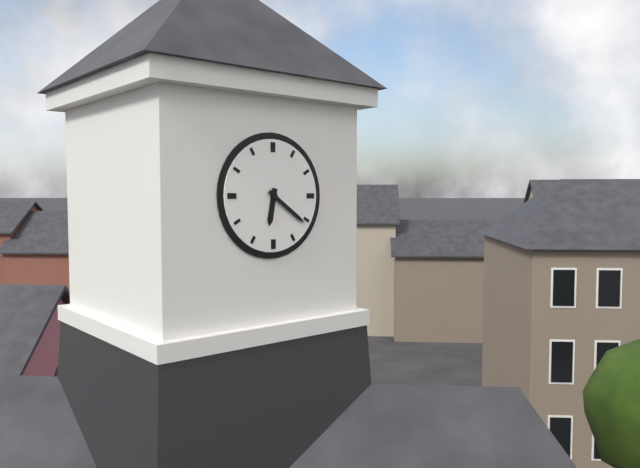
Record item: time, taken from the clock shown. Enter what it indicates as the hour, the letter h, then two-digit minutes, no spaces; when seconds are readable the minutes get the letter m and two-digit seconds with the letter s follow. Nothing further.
6h21
